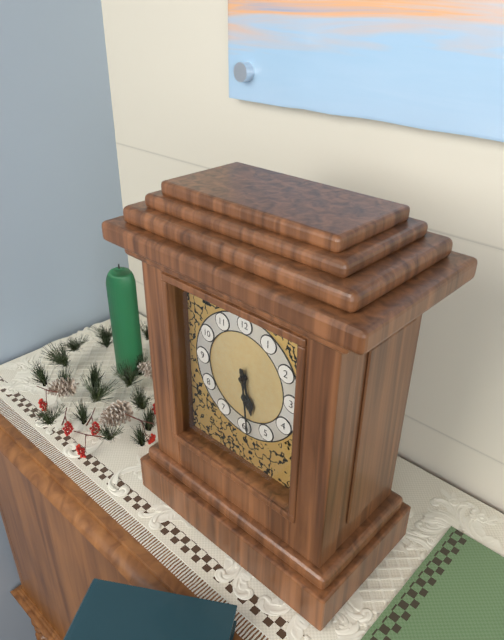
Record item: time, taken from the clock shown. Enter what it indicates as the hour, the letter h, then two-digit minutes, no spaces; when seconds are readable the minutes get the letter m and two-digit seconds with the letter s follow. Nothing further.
5h29
